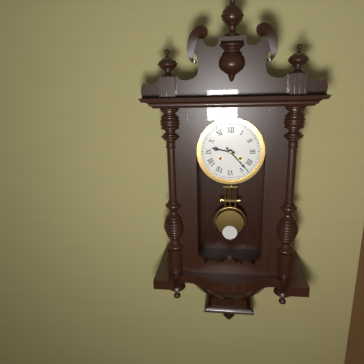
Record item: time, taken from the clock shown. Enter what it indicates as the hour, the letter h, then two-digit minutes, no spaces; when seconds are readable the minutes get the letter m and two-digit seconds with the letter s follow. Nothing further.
9h23
